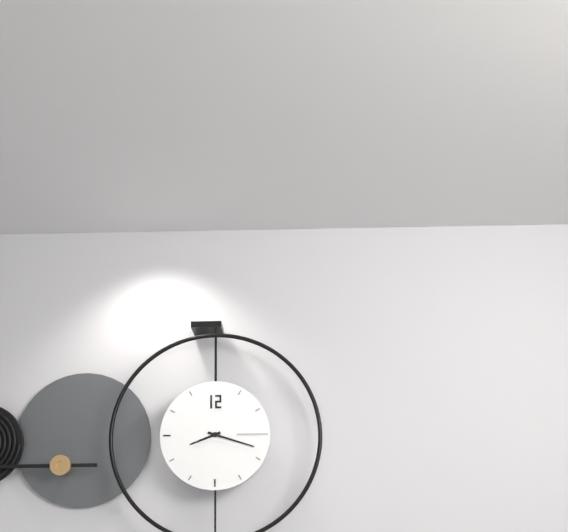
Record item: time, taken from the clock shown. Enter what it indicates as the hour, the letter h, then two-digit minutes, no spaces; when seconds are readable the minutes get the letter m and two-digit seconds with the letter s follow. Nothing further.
8h18
